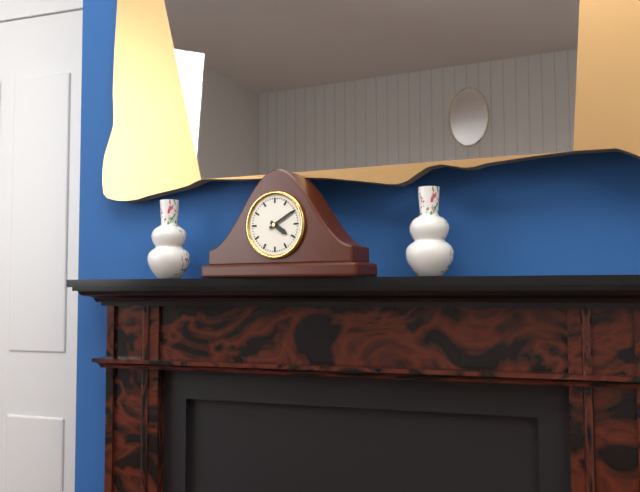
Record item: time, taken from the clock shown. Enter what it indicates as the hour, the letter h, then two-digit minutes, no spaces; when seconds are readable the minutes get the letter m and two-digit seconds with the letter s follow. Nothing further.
4h10
